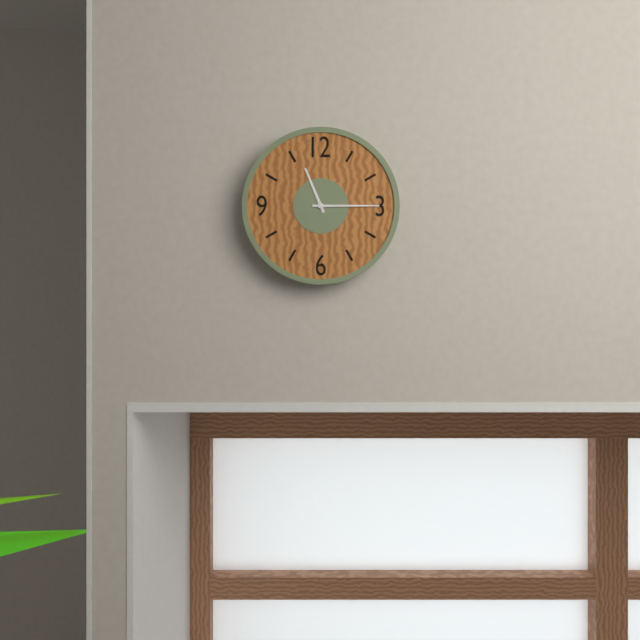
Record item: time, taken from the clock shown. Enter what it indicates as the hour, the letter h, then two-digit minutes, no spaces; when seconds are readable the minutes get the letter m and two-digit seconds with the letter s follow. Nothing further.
11h15
